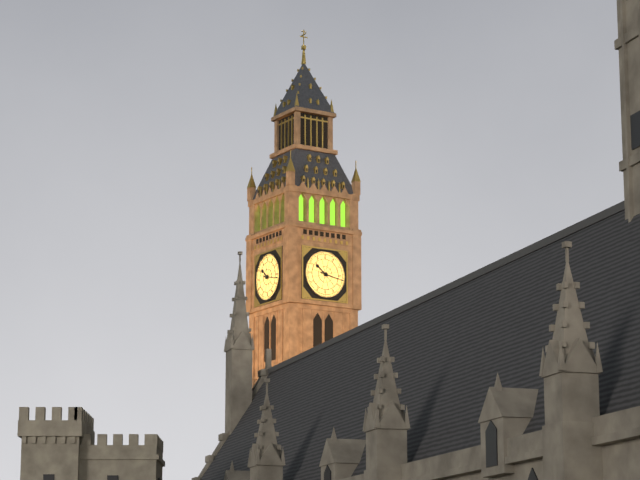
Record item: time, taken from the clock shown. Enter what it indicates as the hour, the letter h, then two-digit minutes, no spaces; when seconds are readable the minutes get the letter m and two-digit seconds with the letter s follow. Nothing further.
10h17
